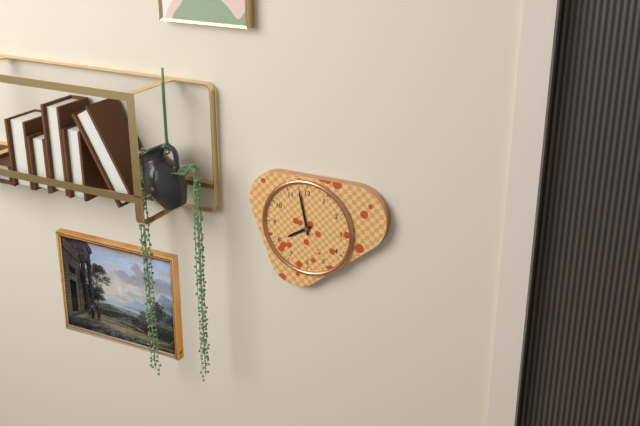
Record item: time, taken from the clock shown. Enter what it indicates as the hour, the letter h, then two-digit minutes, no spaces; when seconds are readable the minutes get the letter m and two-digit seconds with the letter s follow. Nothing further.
7h58
